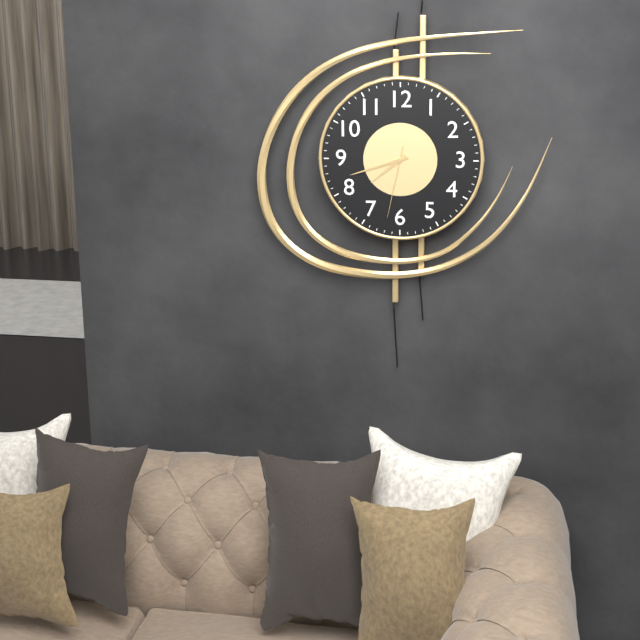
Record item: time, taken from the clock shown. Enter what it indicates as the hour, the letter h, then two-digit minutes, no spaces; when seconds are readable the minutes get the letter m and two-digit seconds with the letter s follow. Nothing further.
7h42m32s
